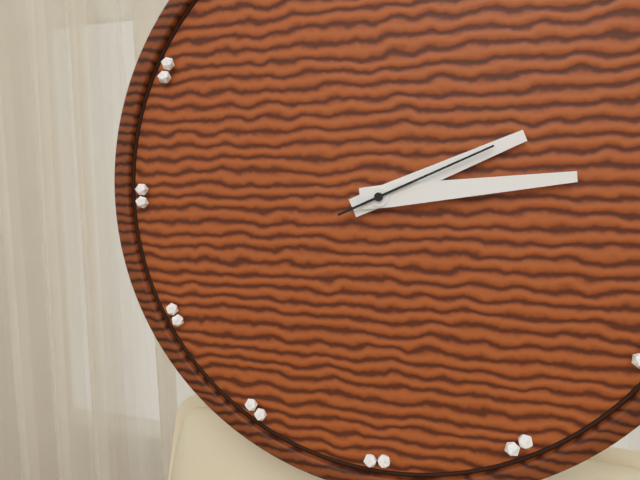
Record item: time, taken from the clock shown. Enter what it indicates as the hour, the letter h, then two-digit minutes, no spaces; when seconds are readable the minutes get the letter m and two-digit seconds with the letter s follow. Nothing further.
2h14m11s
